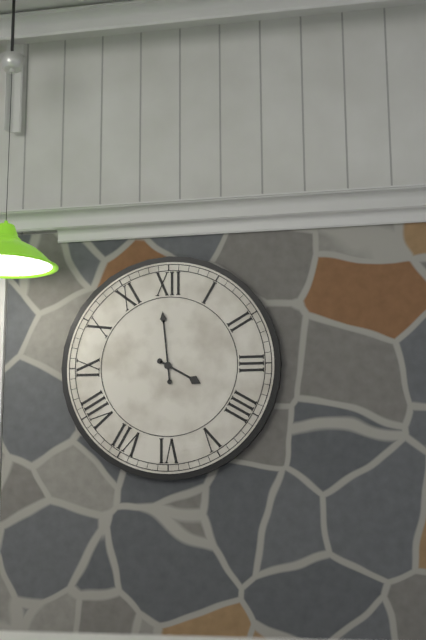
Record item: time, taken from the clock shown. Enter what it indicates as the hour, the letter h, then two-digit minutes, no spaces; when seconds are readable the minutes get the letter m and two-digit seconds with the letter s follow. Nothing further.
3h59
